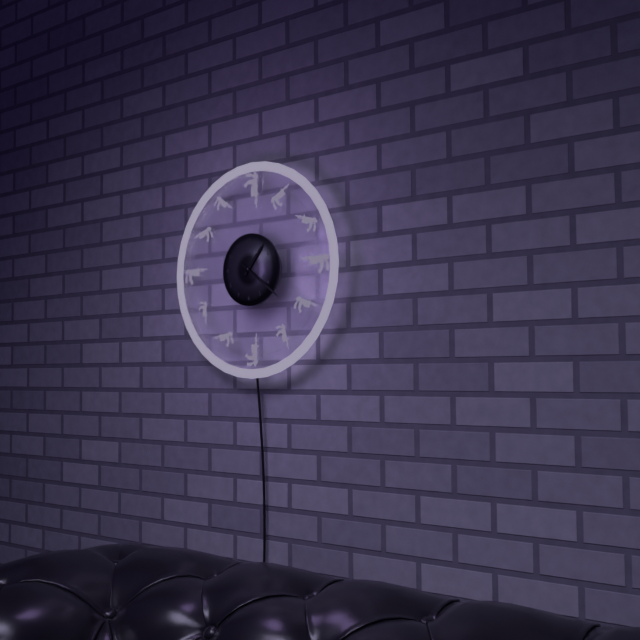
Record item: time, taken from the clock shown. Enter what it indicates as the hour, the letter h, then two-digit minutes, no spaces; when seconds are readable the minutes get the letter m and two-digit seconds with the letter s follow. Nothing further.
1h21
